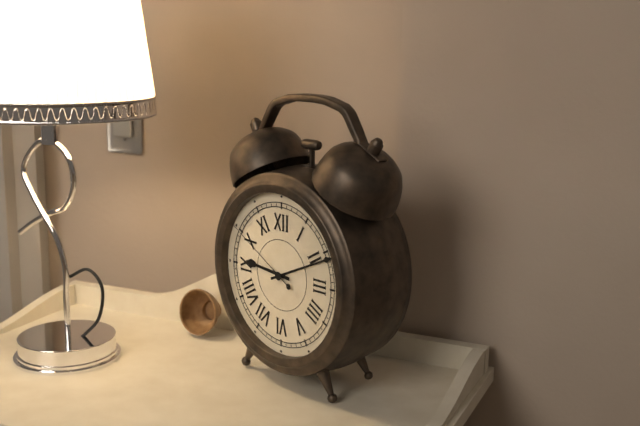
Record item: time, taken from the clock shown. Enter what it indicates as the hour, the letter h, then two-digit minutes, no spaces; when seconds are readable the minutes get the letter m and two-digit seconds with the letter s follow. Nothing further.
9h11m50s
